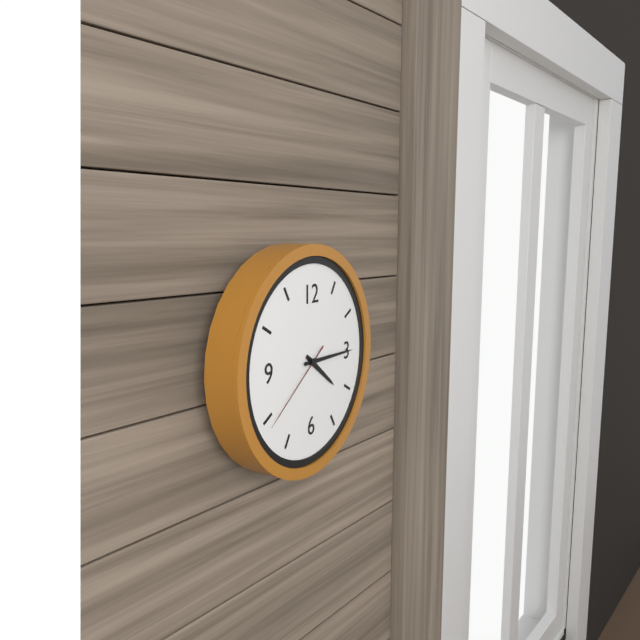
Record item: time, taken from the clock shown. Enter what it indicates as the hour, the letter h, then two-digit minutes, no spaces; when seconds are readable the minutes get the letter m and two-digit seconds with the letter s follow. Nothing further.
4h15m39s
